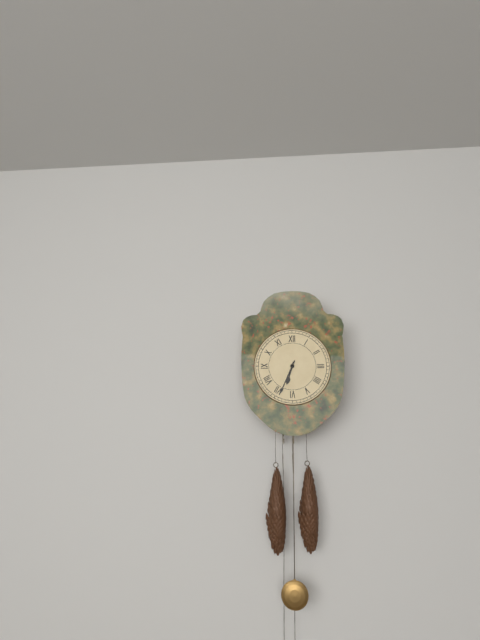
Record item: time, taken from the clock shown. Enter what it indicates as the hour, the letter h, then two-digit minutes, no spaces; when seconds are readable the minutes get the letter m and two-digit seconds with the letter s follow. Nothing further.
6h34
